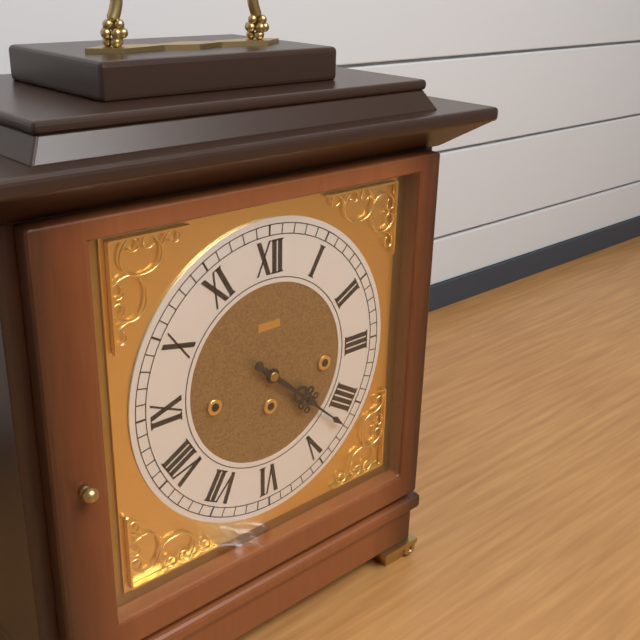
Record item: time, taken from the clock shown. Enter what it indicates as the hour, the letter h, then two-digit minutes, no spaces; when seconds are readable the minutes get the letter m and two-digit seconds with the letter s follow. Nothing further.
4h22
